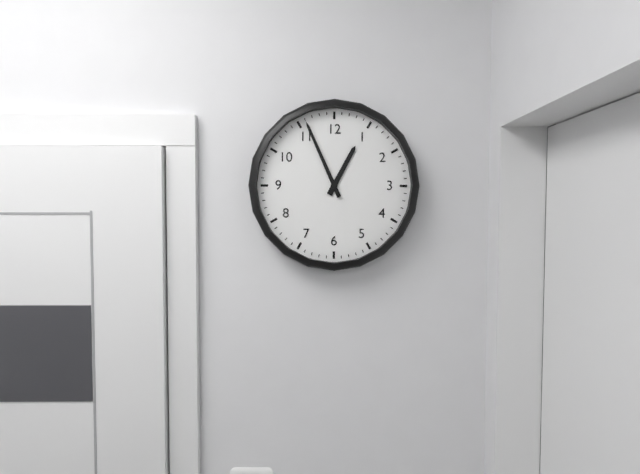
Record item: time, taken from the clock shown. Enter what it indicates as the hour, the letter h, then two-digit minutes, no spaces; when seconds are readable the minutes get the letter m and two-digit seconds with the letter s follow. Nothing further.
12h56
